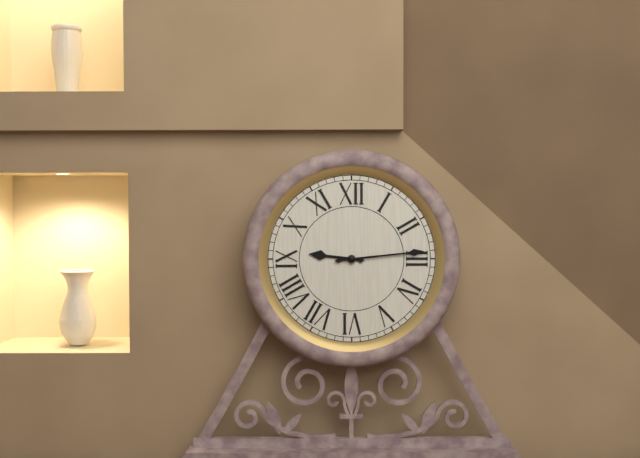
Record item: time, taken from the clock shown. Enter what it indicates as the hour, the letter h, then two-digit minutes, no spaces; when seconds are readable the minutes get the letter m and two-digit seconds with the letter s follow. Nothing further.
9h14
